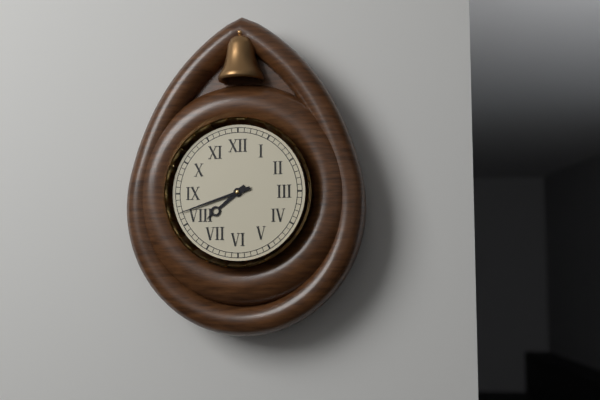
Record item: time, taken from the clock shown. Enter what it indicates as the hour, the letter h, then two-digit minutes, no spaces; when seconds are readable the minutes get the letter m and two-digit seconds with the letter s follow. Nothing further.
7h42
